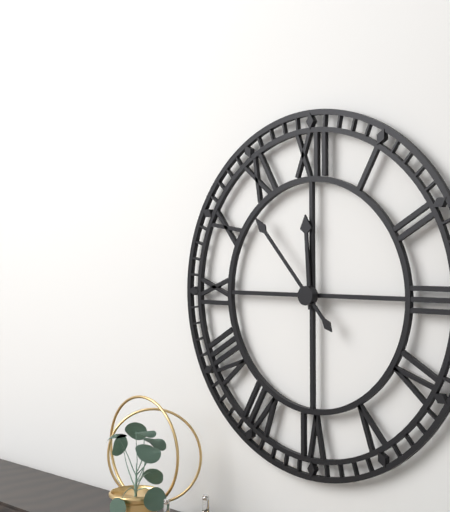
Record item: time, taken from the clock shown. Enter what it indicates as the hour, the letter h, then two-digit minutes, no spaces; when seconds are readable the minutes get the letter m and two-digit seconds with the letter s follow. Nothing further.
11h53
